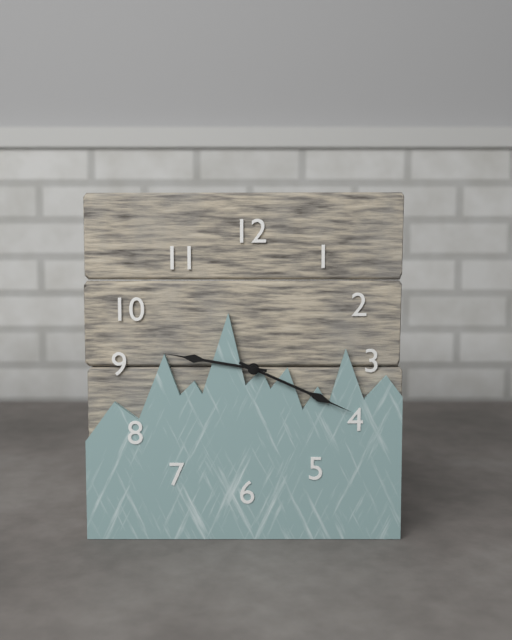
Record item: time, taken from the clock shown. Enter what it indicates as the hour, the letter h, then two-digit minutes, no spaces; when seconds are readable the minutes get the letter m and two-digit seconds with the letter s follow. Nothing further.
9h19
